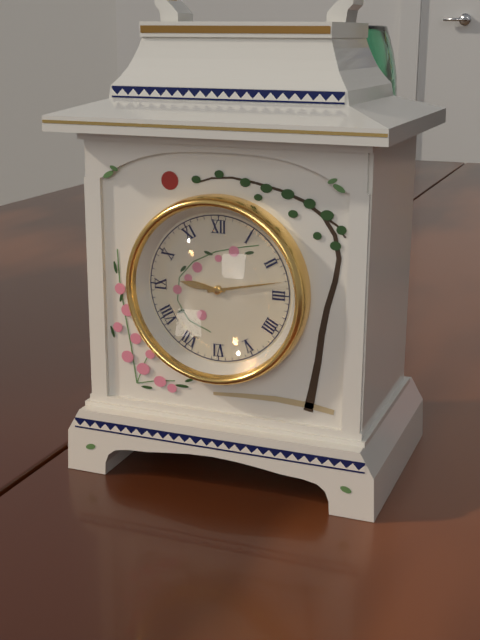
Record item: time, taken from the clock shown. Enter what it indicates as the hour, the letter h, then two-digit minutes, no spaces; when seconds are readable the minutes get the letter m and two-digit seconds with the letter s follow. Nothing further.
9h13
